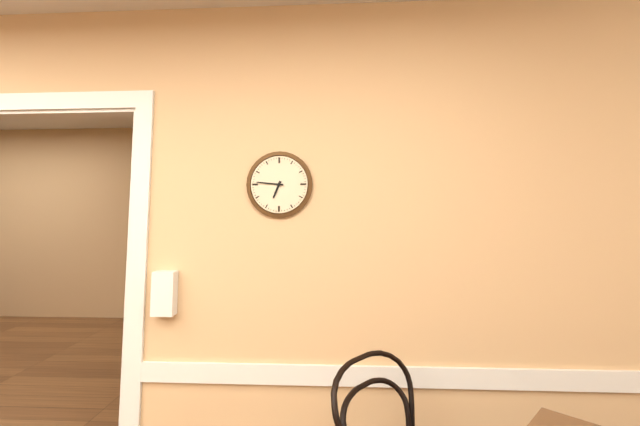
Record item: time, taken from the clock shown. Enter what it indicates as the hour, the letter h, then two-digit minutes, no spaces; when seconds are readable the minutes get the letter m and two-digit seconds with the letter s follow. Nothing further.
6h46
